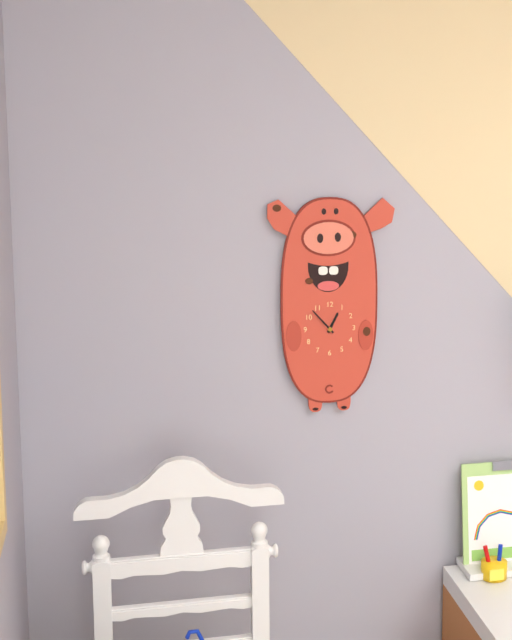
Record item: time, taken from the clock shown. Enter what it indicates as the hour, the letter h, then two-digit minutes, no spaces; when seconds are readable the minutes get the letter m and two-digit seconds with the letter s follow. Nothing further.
12h53
